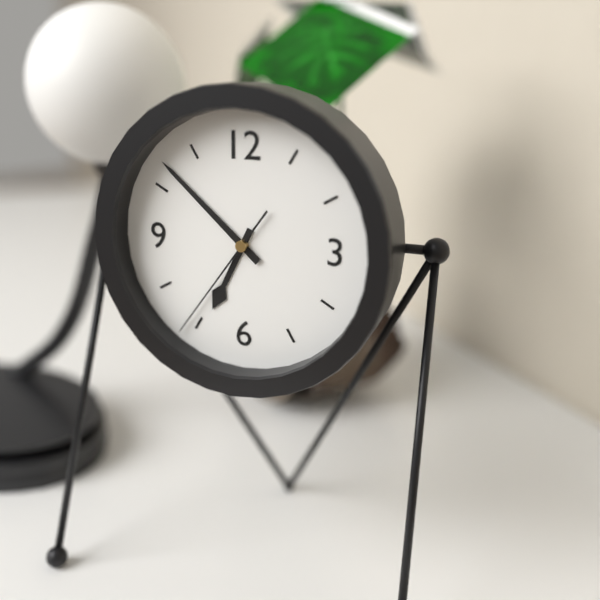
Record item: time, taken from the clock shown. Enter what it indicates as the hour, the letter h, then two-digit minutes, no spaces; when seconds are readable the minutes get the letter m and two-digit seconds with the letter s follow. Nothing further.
6h52m36s
